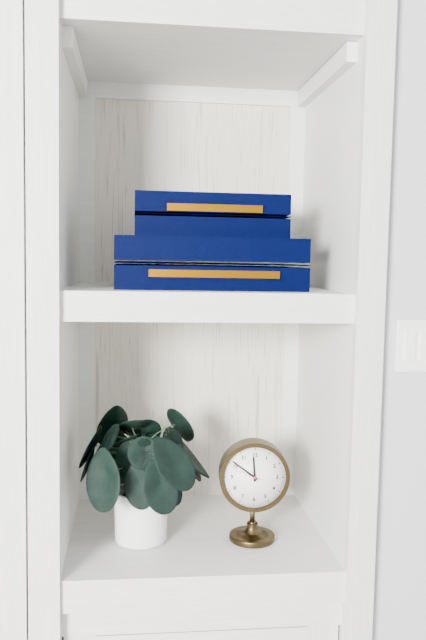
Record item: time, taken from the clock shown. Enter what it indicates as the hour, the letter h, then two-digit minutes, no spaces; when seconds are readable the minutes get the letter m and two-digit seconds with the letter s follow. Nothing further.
11h51
